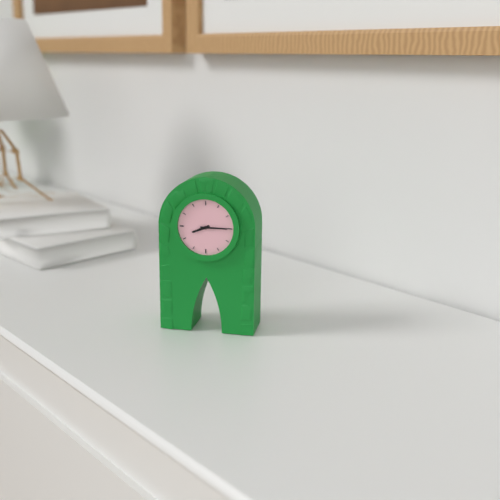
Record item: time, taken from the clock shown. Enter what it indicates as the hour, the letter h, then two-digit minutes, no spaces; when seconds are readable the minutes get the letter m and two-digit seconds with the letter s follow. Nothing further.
8h15
